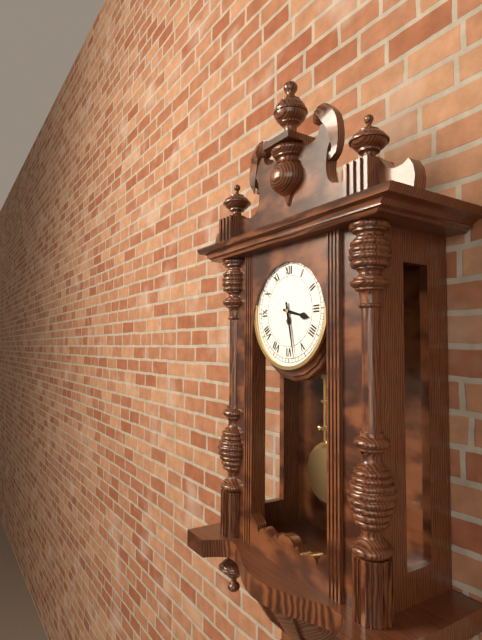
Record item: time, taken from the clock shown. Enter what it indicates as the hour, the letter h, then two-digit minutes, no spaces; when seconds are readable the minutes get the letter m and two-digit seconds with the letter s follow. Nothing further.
3h28
